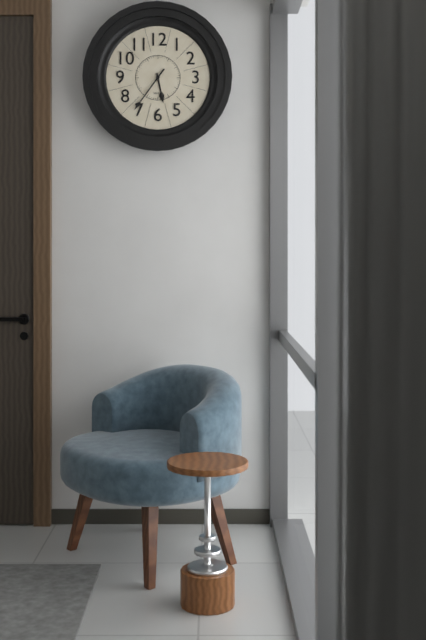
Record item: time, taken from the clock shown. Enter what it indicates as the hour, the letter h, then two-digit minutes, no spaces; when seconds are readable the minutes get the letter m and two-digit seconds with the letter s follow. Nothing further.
5h36
